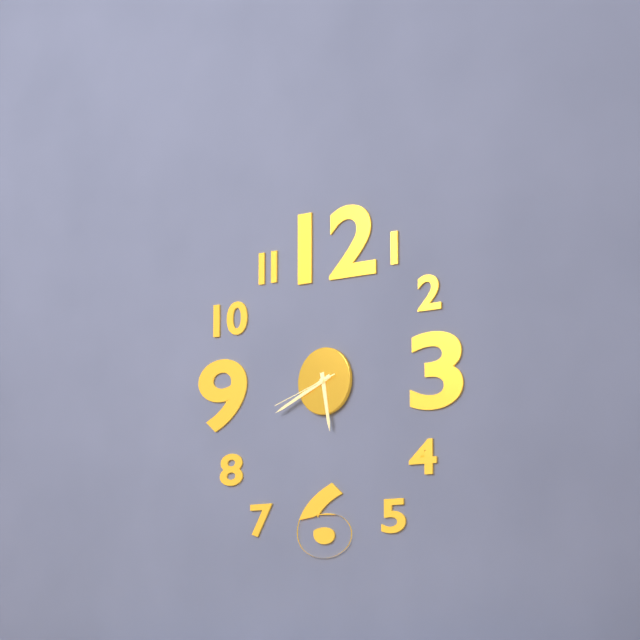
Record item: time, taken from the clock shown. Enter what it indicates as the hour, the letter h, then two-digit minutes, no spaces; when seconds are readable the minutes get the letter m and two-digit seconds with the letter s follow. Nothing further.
5h41m42s
